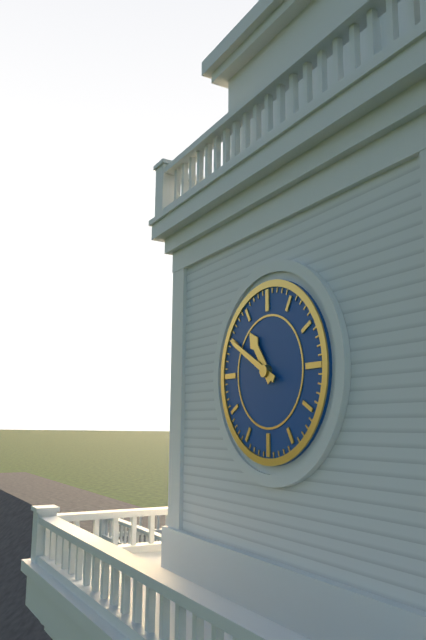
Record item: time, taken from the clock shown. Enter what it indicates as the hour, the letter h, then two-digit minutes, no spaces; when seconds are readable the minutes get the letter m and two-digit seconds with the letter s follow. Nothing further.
10h50
